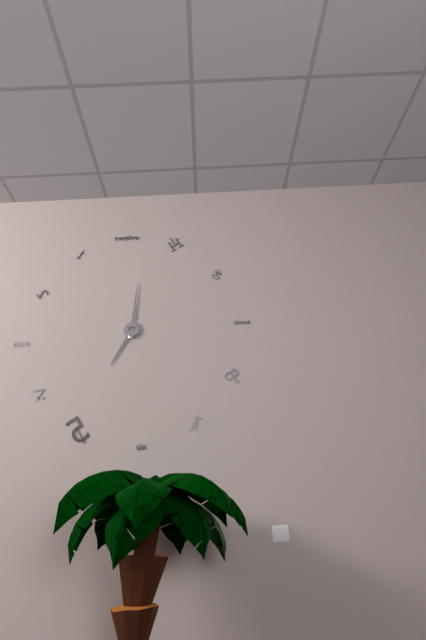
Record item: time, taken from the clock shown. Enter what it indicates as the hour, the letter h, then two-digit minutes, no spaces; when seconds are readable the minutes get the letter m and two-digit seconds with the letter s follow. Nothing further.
7h01
